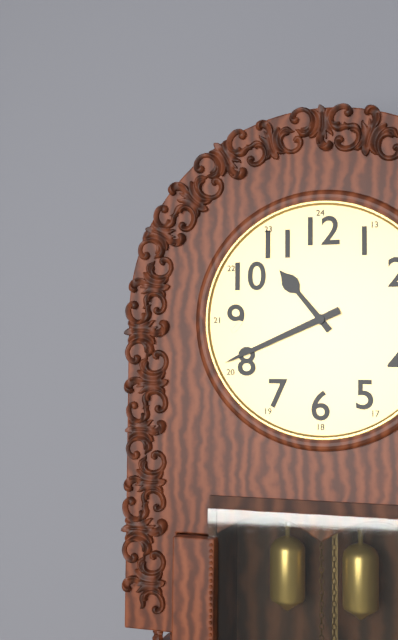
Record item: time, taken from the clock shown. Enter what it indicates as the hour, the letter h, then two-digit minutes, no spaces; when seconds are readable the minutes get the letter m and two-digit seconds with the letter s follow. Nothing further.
10h41
